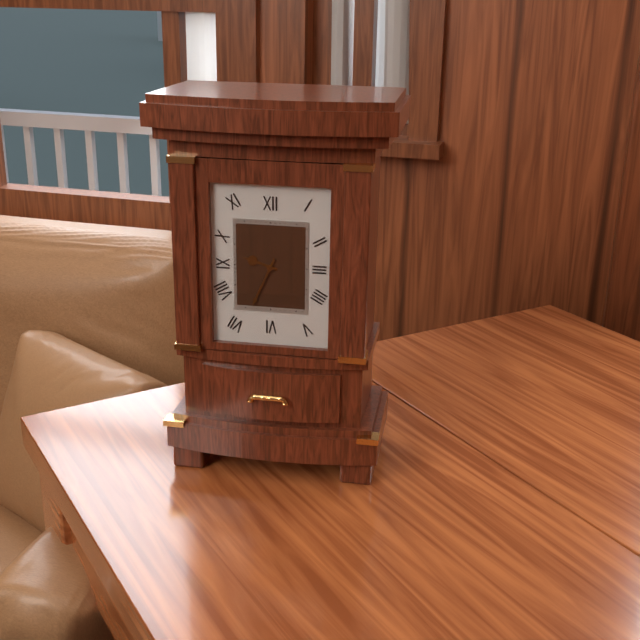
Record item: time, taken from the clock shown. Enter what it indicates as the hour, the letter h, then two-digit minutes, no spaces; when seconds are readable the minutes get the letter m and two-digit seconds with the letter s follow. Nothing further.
9h34
